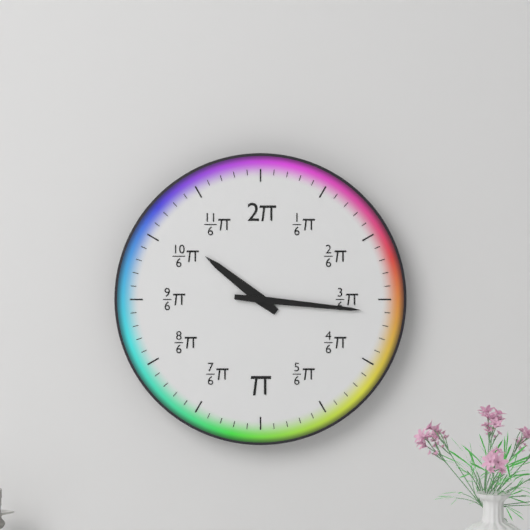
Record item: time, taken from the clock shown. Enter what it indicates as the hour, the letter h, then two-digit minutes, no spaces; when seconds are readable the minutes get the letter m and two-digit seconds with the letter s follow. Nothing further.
10h16
